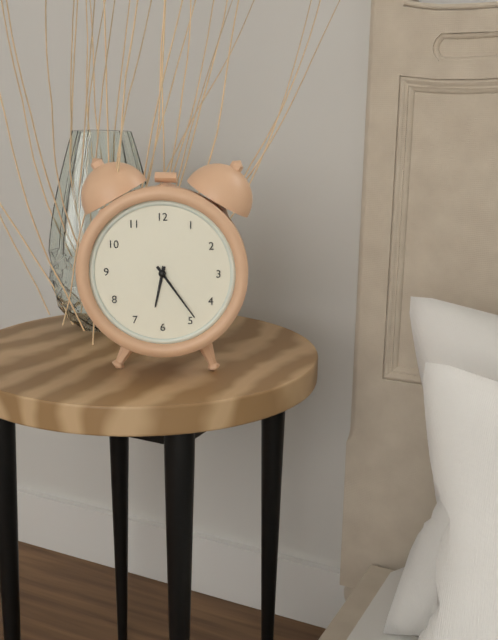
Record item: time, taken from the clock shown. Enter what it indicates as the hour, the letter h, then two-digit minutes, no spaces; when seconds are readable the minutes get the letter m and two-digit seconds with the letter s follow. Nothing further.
6h24
